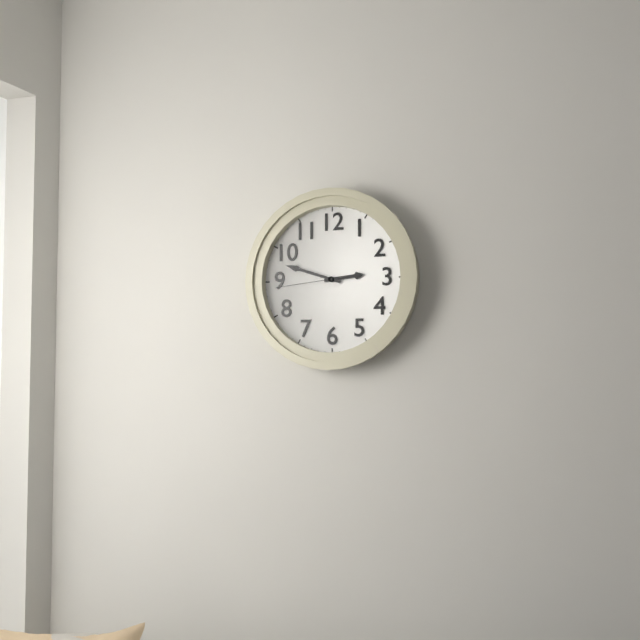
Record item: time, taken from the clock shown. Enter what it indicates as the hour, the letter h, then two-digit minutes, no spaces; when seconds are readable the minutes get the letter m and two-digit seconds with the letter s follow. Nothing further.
2h48m44s
